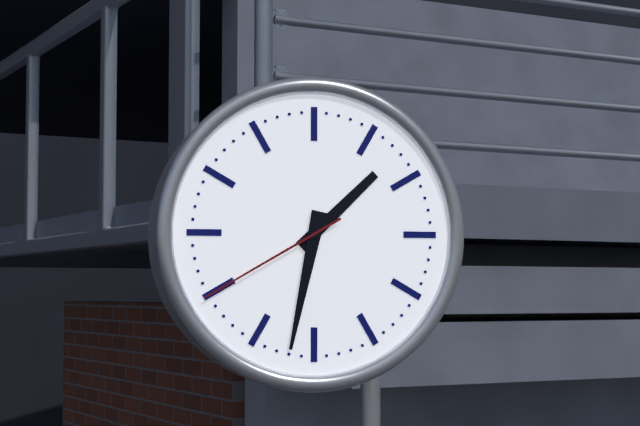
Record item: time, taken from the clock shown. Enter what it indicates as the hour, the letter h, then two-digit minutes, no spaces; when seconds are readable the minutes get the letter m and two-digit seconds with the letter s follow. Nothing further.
1h32m40s
